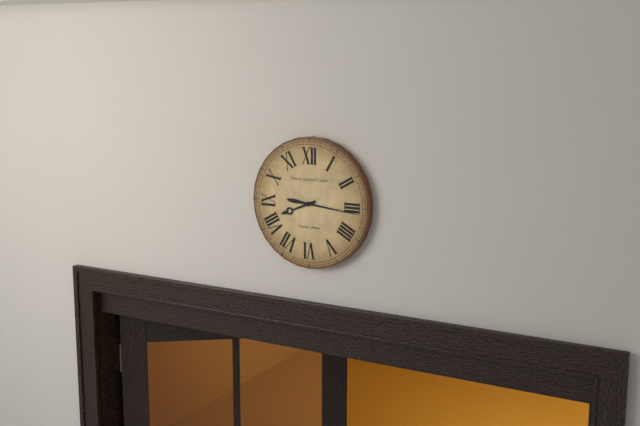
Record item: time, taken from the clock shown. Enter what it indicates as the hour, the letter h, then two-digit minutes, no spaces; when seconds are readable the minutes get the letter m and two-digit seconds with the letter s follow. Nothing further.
8h16
